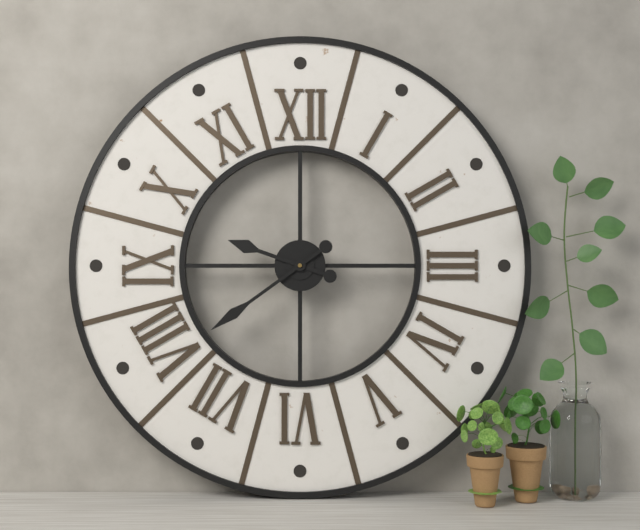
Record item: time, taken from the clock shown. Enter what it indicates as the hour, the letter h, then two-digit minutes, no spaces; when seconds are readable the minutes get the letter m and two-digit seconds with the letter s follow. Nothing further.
9h39
